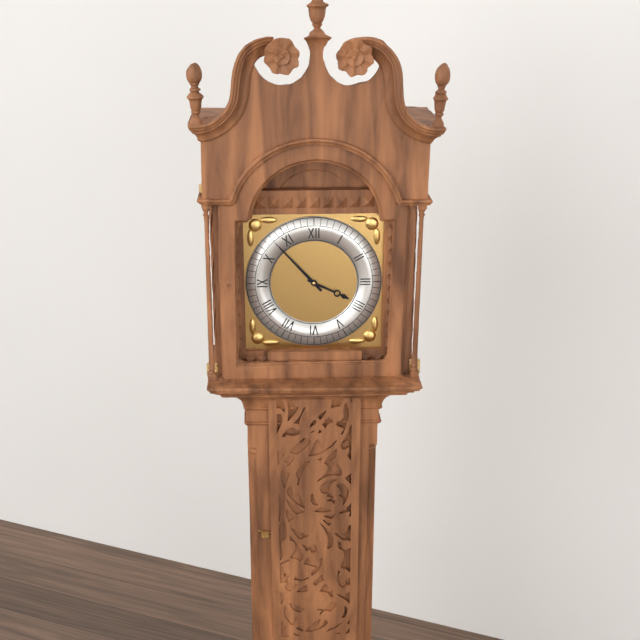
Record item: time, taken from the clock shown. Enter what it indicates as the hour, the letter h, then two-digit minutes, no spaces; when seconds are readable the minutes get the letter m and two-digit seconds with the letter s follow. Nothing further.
3h53
